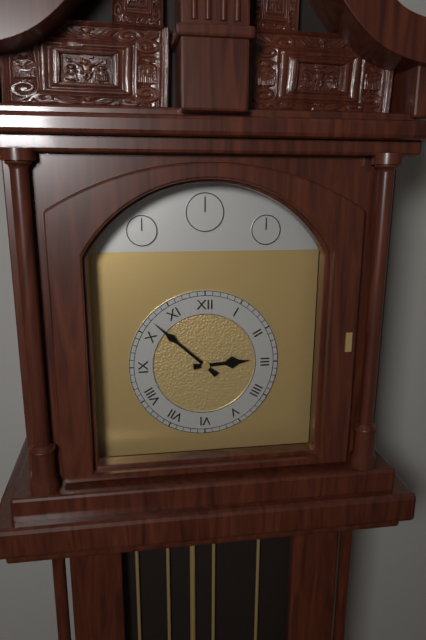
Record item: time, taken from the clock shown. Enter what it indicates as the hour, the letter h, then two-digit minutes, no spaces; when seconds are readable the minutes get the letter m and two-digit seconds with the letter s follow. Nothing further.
2h52
